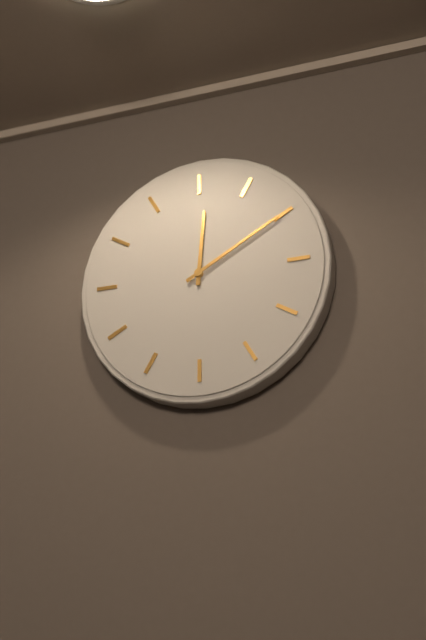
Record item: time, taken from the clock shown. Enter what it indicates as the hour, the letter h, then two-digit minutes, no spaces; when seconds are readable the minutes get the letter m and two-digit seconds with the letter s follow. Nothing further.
12h10
